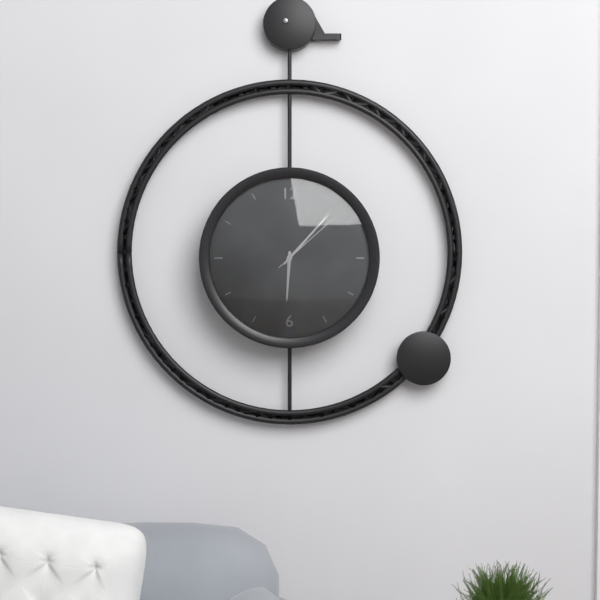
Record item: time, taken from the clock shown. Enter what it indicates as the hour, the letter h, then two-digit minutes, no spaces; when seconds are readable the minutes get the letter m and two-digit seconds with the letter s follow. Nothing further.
6h07m08s
